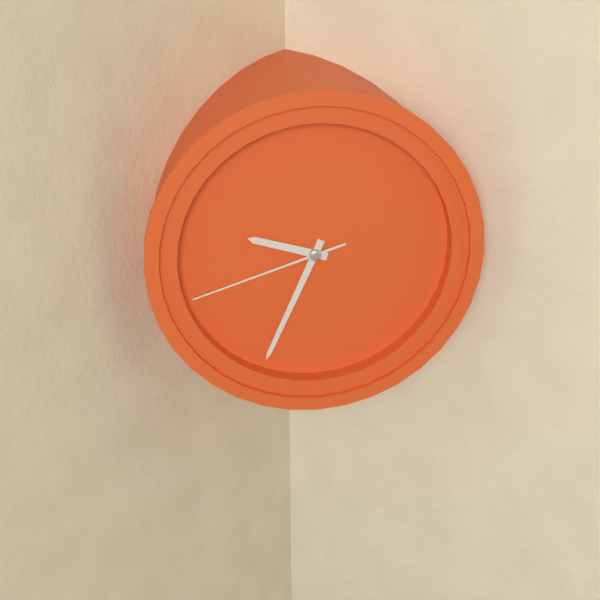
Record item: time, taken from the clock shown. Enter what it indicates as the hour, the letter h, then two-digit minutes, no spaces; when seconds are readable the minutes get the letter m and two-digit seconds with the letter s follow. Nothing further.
9h34m42s
